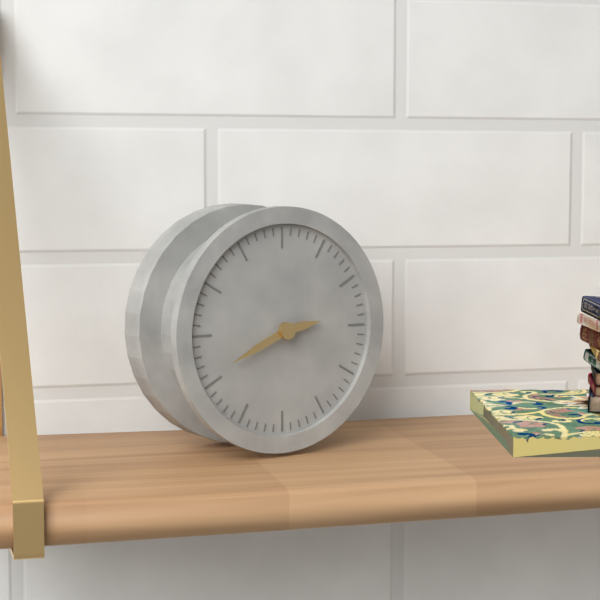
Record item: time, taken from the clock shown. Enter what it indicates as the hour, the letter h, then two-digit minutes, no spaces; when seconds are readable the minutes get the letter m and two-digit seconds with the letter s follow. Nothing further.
2h41
